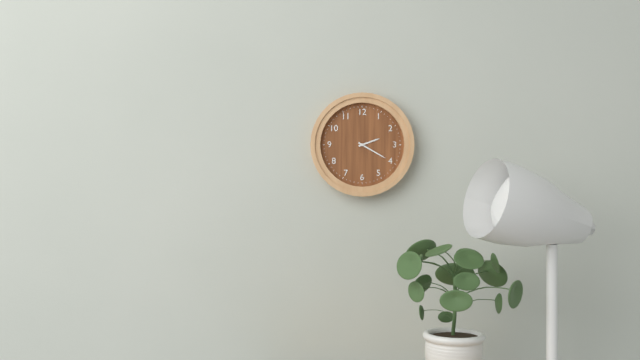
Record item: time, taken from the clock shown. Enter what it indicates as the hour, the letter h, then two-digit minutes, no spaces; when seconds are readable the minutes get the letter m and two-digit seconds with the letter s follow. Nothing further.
2h20
